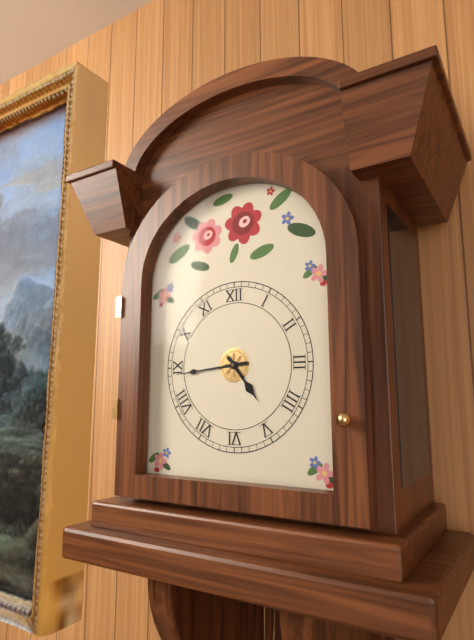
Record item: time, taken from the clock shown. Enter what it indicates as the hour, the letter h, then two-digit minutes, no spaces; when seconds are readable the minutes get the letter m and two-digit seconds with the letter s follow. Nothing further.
4h44
